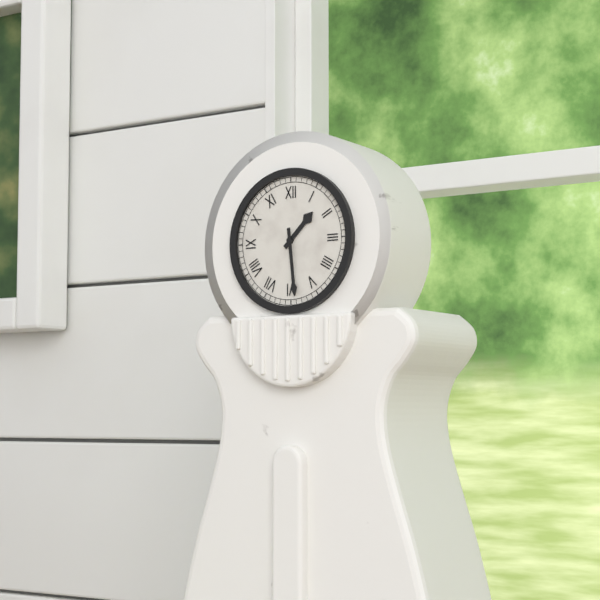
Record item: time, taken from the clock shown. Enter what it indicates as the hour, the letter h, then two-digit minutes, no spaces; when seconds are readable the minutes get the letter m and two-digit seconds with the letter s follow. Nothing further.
1h29
